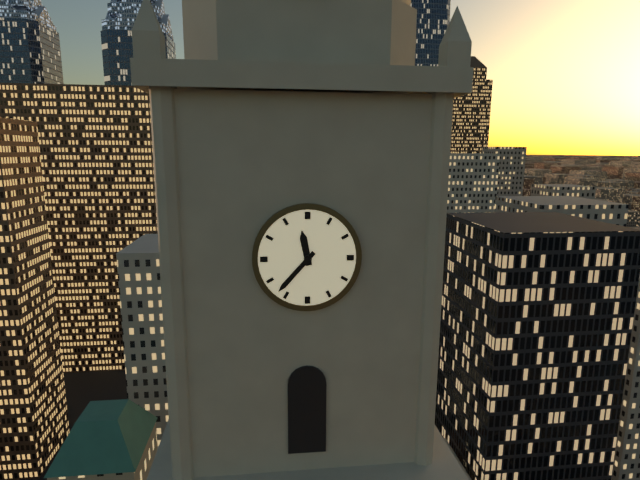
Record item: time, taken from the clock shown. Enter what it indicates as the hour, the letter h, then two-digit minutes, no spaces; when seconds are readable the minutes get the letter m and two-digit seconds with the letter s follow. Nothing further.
11h37
